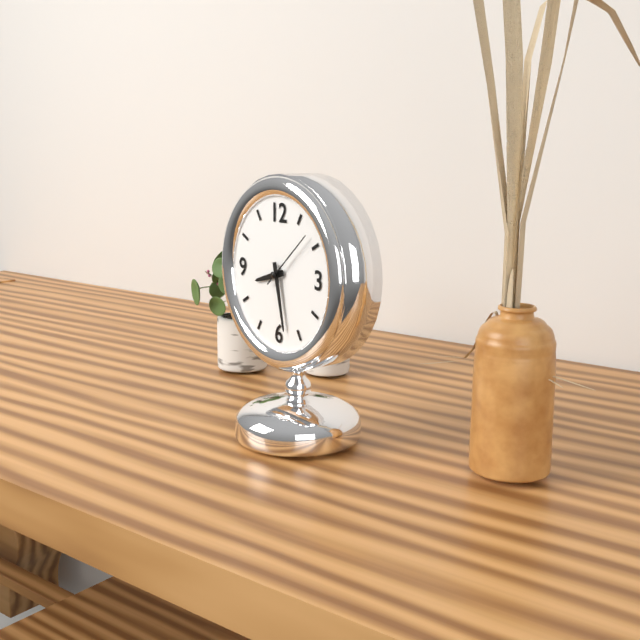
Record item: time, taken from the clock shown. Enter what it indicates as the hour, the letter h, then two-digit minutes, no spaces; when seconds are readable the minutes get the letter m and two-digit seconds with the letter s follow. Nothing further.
8h28m08s
